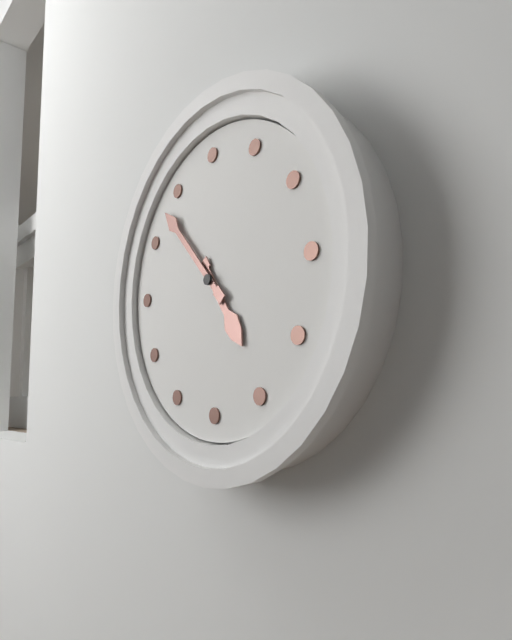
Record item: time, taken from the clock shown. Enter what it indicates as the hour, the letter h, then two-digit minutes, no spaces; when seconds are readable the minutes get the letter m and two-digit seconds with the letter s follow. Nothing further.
4h53
